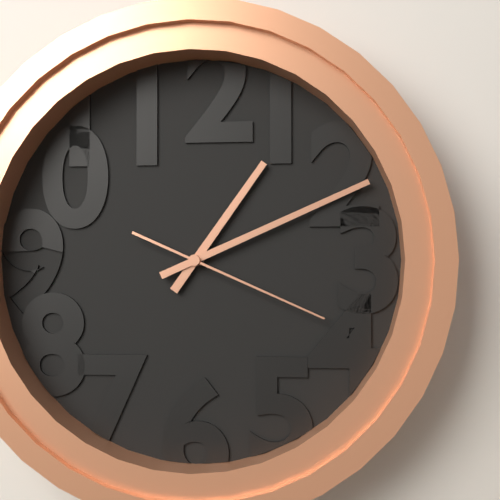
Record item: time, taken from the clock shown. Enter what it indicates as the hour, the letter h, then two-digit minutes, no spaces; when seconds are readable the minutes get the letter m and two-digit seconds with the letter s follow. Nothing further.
1h11m19s
